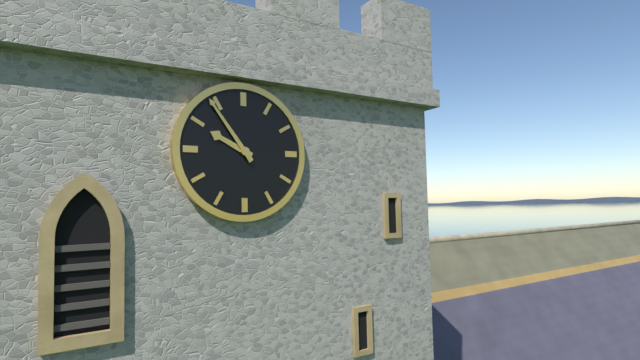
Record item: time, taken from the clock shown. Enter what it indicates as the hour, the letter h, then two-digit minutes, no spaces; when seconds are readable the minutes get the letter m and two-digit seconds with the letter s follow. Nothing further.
9h54
